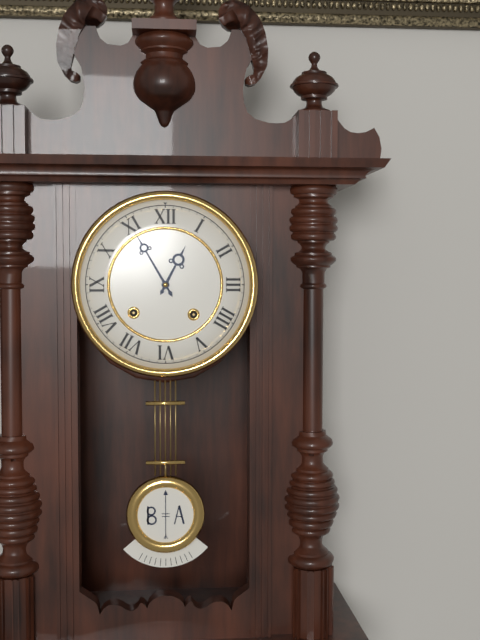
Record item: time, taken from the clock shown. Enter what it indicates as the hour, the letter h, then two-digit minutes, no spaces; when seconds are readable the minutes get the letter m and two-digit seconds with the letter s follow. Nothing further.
12h55
